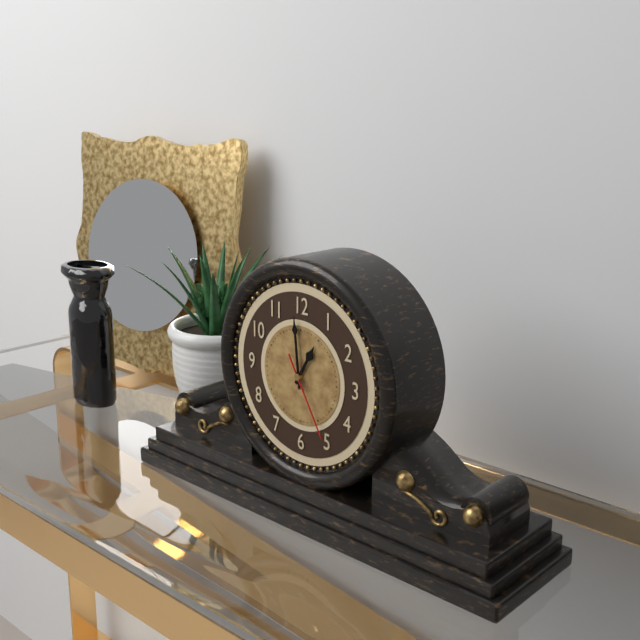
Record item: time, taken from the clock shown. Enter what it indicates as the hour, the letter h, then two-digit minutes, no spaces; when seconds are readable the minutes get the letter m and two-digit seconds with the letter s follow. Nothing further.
12h59m25s
